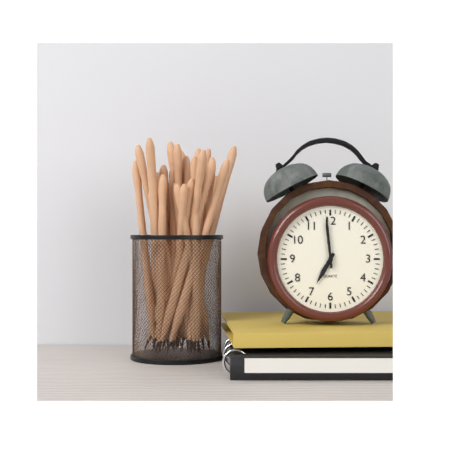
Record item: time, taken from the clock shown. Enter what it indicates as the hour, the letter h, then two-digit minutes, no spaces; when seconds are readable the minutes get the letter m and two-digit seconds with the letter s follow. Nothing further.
6h59
